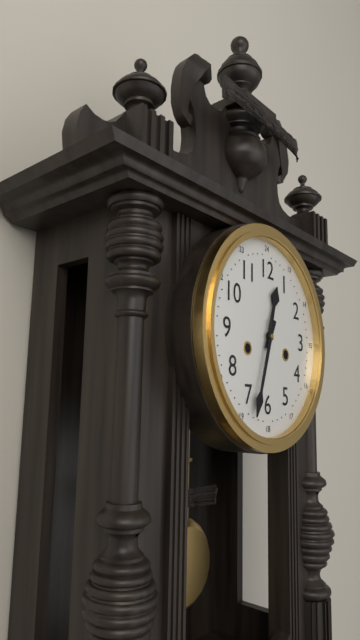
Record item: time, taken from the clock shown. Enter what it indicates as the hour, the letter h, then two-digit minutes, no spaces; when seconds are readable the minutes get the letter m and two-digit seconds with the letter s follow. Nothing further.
12h33
